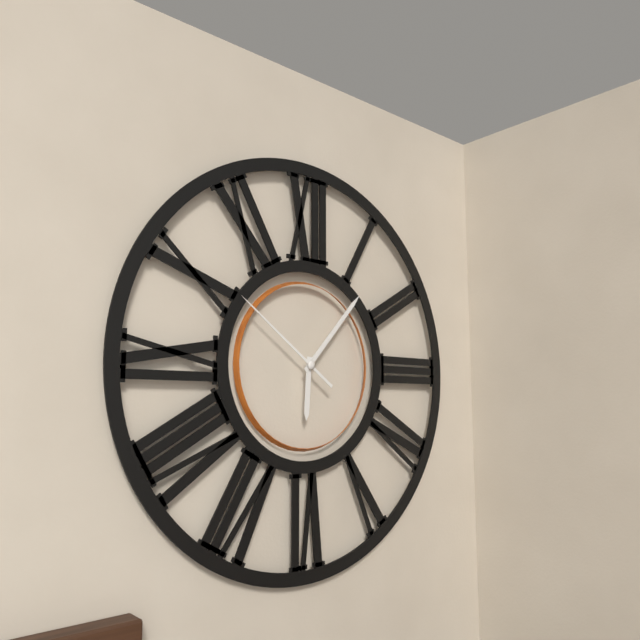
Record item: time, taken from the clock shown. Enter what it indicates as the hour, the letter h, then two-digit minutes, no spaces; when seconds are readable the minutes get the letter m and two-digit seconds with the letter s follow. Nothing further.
6h07m51s
